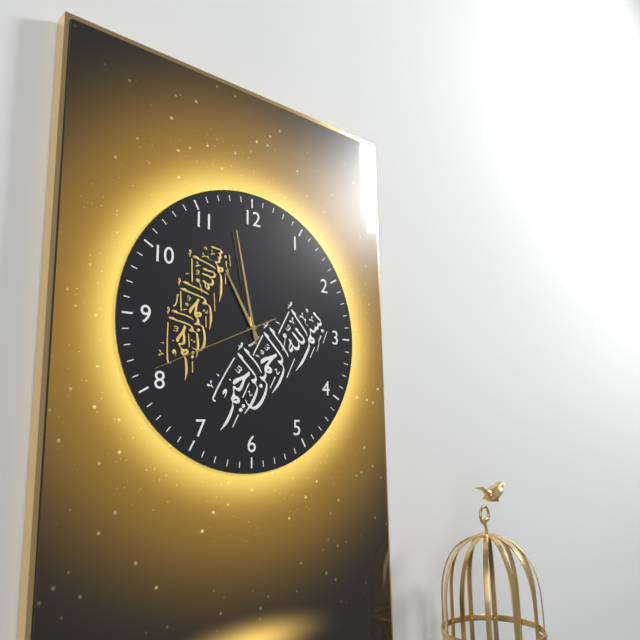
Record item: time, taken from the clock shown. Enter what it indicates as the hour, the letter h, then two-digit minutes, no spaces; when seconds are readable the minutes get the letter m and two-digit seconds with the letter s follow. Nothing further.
10h58m41s
